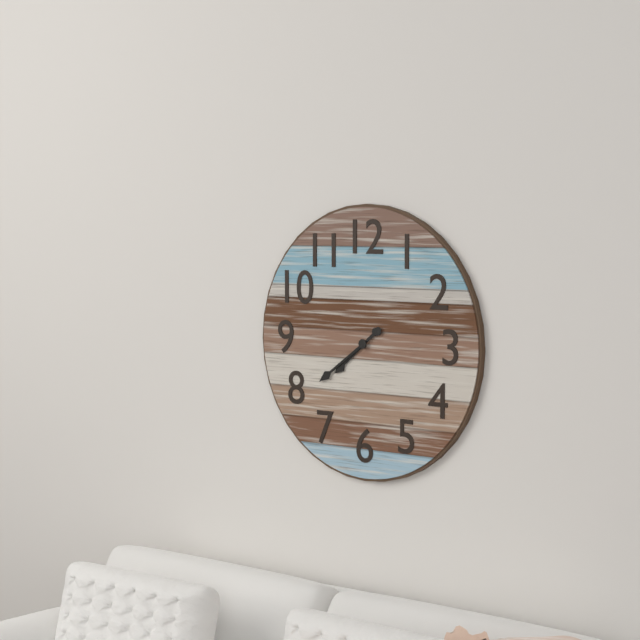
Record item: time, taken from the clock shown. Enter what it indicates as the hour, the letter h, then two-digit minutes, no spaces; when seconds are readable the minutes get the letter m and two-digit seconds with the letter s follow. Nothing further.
7h39
